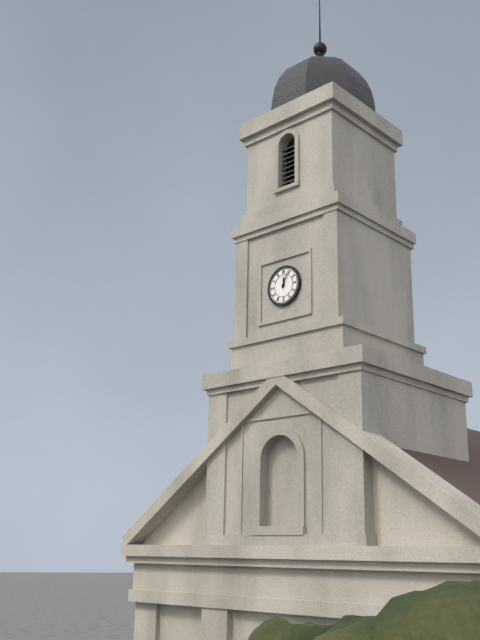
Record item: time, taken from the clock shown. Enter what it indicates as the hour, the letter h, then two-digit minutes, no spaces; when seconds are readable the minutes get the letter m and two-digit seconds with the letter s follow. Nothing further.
12h04
